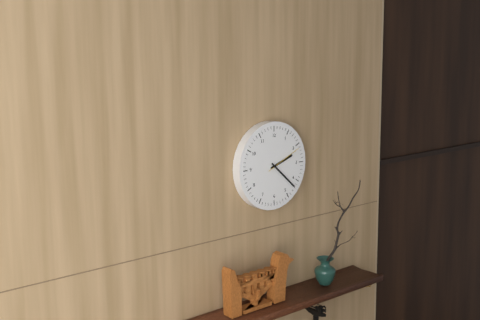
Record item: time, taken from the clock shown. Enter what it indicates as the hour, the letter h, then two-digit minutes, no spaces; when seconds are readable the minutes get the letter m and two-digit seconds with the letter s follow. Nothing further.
2h22
